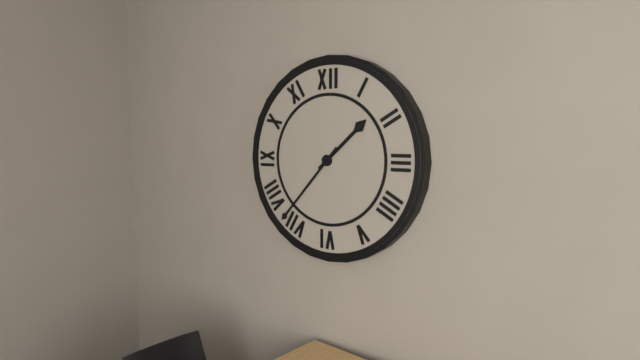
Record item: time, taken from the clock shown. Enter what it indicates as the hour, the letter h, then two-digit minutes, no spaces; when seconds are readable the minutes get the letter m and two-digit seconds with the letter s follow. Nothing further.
1h37
